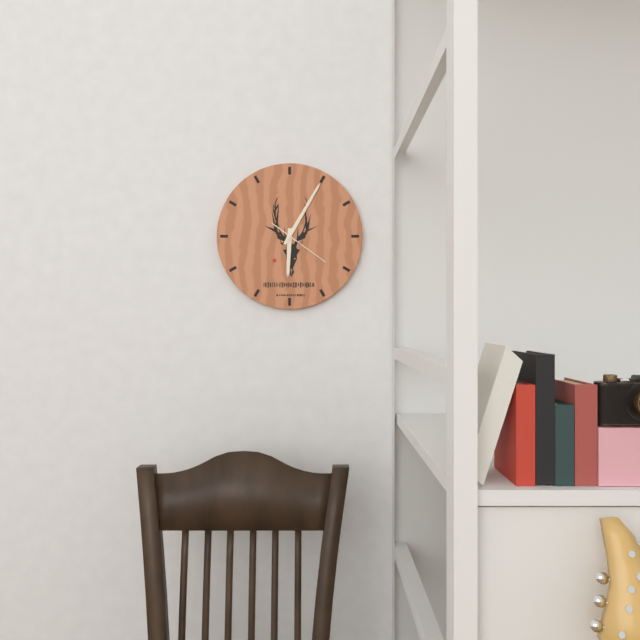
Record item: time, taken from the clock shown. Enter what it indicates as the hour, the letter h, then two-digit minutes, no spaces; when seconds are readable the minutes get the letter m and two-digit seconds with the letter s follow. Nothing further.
6h05m21s
